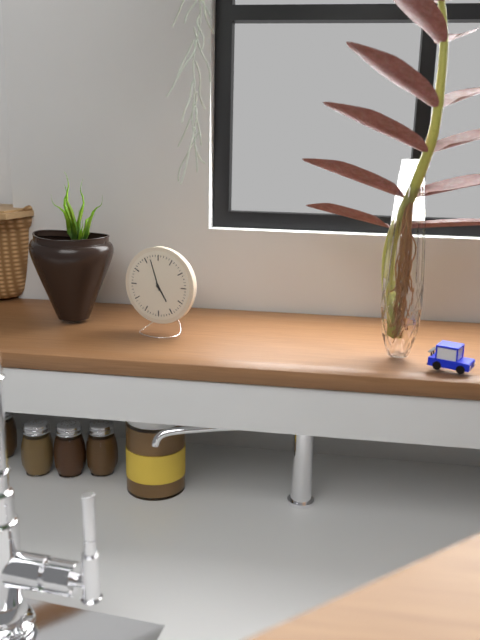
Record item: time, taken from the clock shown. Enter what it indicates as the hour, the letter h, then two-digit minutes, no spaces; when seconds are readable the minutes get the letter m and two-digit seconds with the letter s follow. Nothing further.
4h57
